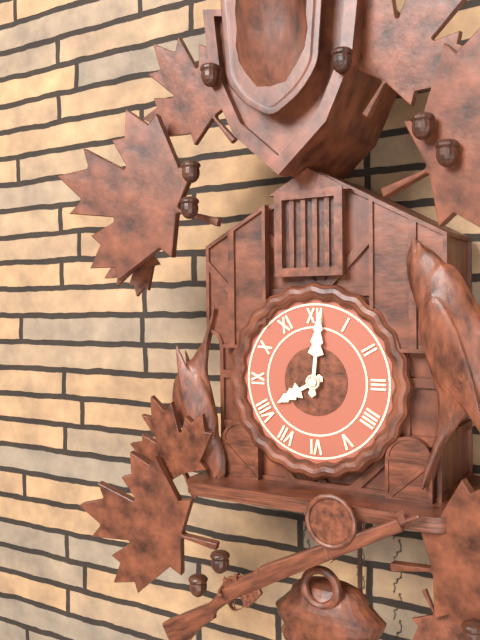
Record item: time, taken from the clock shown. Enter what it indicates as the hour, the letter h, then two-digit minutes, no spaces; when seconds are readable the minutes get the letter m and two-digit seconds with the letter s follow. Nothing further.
8h01
